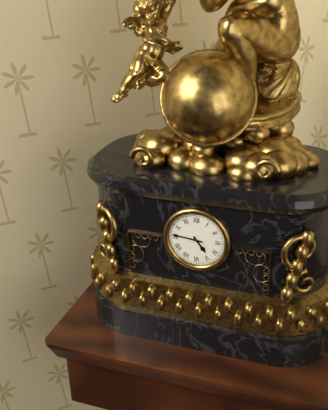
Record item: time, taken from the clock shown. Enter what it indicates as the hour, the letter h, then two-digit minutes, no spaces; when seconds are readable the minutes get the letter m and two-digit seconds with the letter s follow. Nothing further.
4h46
